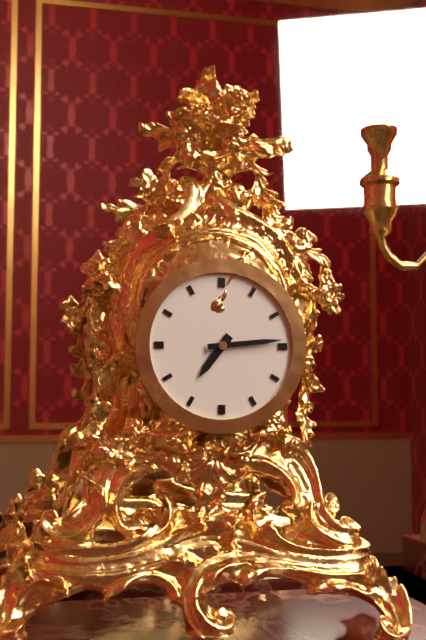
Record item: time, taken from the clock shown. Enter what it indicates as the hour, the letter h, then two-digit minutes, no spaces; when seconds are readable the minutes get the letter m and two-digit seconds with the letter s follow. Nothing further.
7h14
